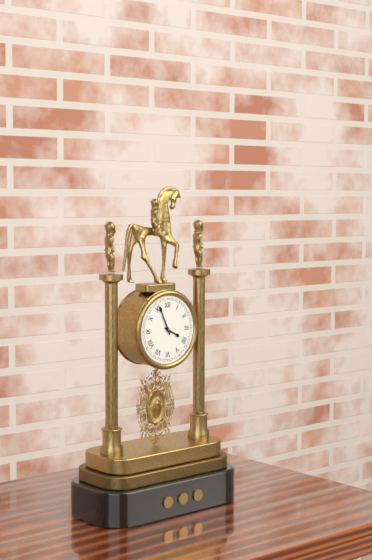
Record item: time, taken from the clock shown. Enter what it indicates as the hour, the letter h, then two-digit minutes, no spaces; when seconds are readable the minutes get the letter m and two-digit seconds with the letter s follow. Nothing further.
3h56
